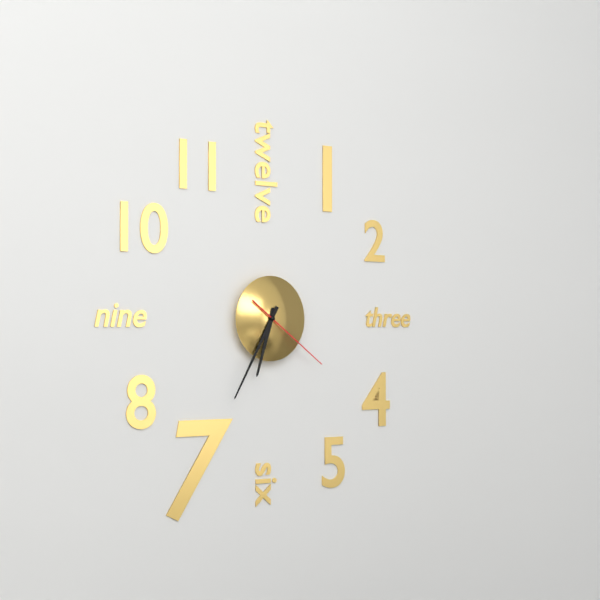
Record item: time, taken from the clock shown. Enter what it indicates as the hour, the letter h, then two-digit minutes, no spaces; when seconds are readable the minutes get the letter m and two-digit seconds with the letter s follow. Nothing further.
6h35m21s
